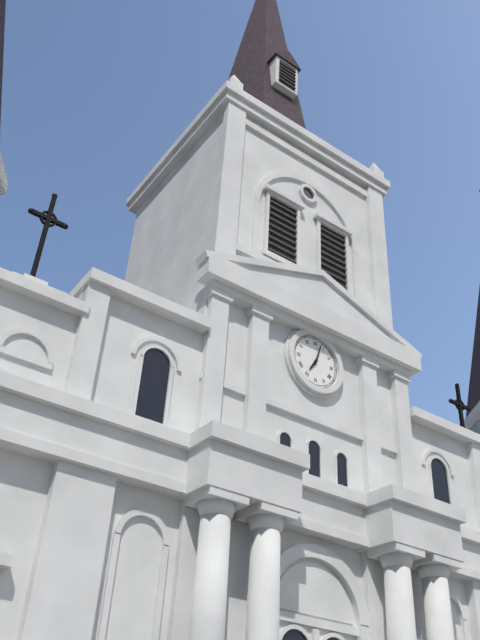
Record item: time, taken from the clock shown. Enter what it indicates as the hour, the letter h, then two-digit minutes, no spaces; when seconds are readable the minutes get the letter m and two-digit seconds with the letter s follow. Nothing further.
7h03
